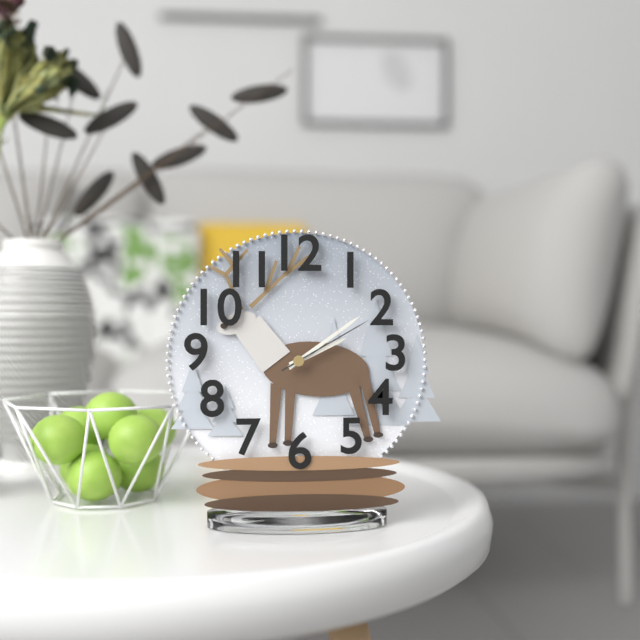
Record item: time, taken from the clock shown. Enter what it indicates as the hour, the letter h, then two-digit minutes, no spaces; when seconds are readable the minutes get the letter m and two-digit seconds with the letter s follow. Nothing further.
2h09m10s
